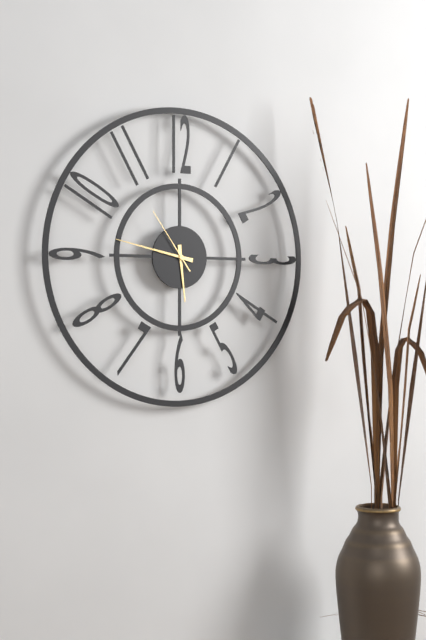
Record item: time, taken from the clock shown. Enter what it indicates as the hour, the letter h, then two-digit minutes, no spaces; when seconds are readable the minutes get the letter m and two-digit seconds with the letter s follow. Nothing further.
5h47m54s
